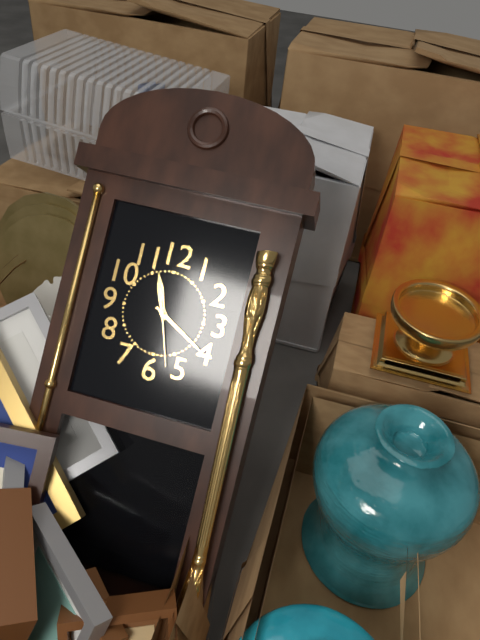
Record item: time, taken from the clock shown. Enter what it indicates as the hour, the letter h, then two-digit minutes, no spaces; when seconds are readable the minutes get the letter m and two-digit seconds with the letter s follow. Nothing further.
11h20m27s
